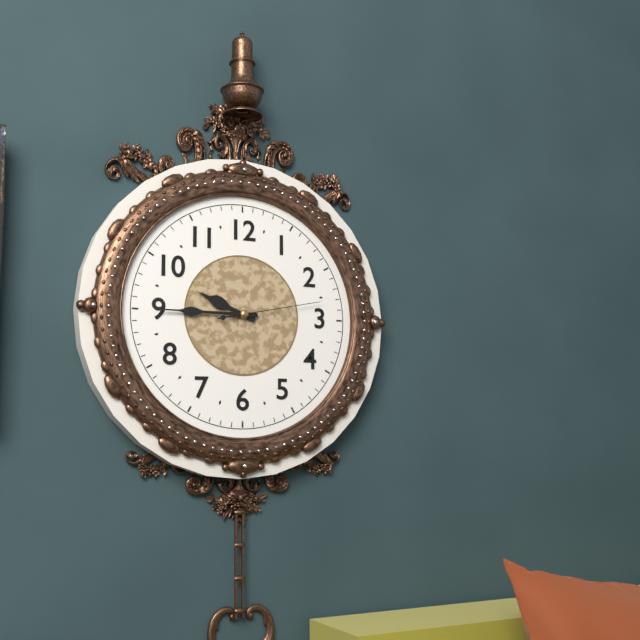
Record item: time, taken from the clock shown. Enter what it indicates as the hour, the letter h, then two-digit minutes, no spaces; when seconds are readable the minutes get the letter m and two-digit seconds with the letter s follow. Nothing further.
9h45m13s
